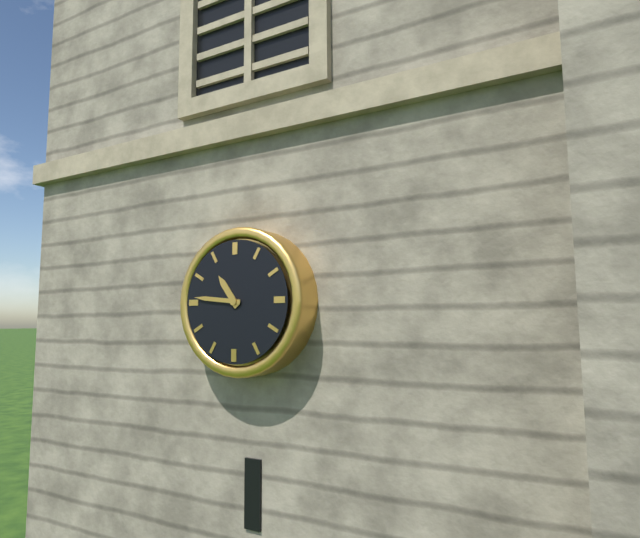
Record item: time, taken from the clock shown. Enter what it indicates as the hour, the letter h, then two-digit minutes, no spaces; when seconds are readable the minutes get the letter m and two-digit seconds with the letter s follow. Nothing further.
10h46
